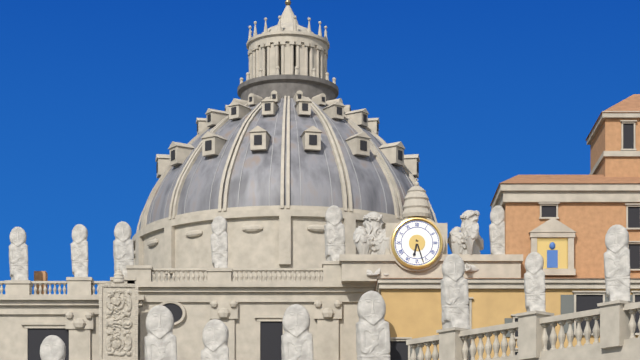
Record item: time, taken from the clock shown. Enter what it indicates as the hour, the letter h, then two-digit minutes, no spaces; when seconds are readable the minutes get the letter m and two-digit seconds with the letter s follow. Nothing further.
6h27
